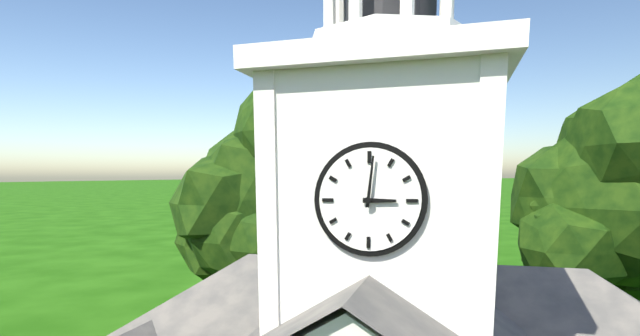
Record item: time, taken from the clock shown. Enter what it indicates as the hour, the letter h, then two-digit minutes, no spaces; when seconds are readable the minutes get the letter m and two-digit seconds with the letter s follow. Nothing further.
3h01
